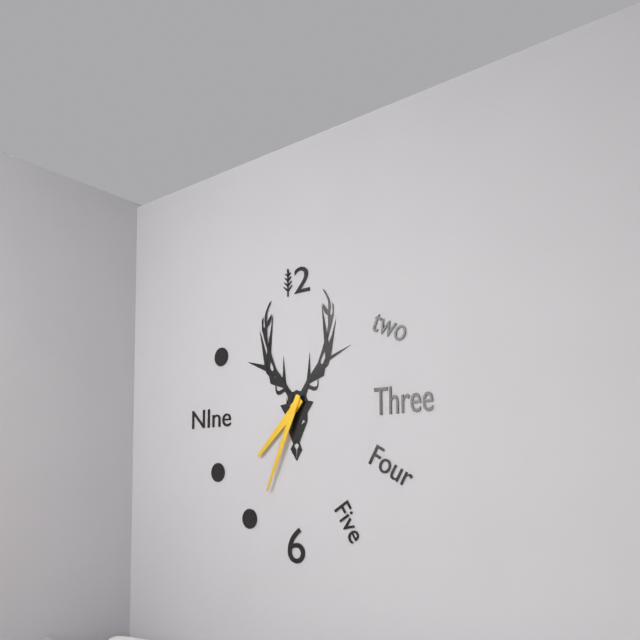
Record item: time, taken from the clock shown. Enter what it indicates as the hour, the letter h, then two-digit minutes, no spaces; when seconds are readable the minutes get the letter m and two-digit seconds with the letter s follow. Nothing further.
7h34
